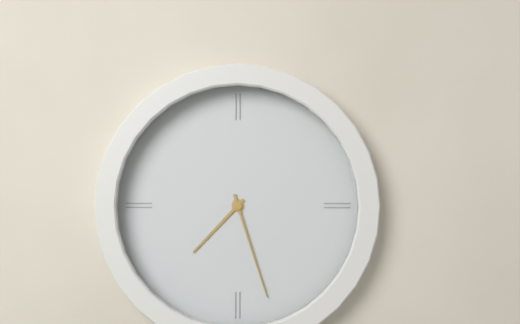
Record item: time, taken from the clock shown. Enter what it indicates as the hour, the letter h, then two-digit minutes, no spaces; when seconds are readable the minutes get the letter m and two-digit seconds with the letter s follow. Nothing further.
7h27
